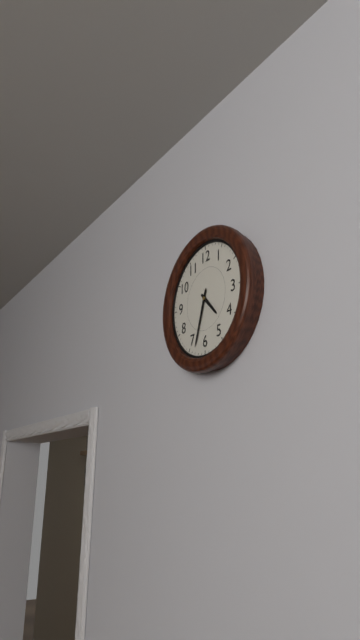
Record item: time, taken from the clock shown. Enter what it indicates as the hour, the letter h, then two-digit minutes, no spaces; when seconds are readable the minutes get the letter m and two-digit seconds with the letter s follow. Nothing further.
4h33
